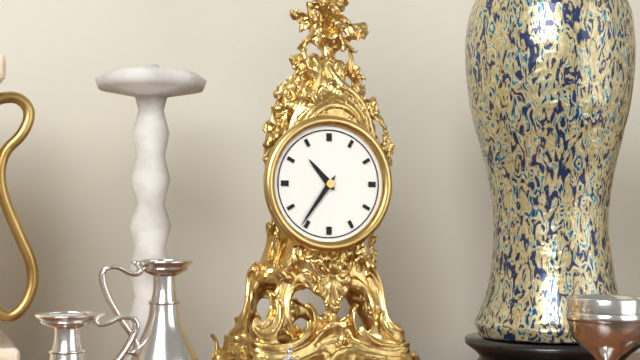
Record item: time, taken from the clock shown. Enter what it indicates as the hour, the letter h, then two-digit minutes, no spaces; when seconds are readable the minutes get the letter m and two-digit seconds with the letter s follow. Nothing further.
10h36
